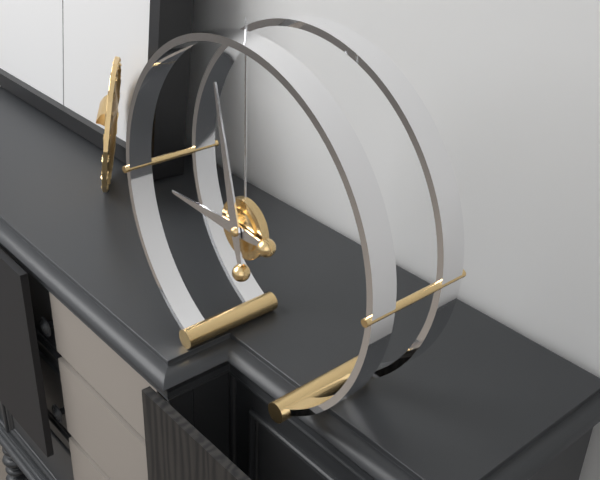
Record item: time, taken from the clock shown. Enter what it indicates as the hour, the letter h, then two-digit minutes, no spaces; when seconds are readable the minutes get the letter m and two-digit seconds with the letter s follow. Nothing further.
8h58
